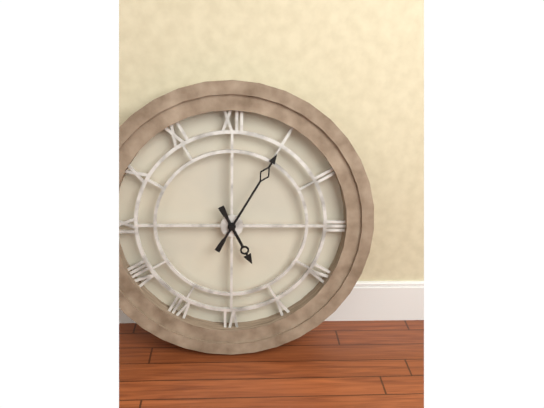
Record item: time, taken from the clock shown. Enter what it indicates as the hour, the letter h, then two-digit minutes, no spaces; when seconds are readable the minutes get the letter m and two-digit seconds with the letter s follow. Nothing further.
5h05
